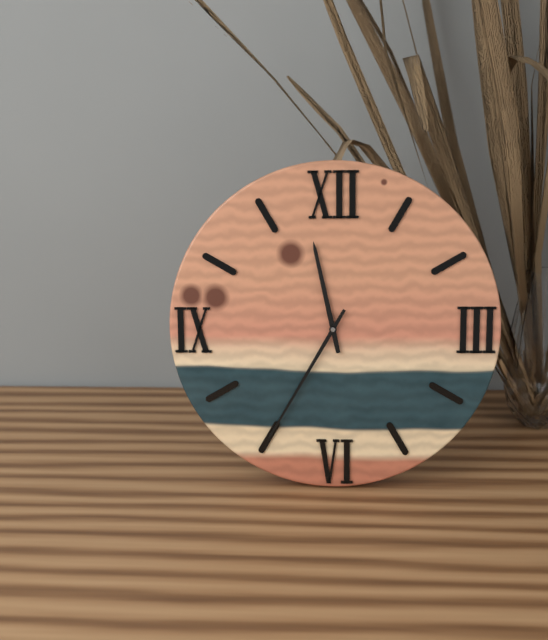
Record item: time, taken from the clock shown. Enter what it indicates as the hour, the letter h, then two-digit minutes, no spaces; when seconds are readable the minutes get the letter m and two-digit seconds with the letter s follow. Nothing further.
11h35
